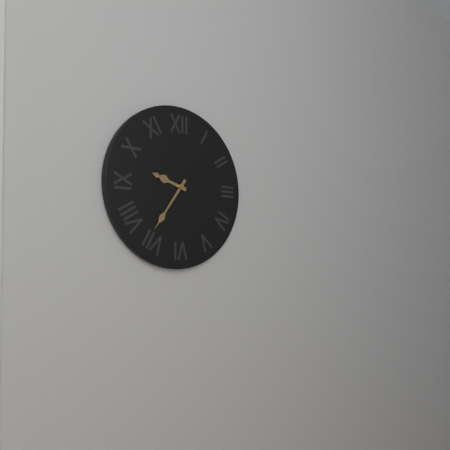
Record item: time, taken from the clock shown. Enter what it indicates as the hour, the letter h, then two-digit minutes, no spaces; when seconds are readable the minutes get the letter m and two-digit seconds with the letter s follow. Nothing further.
9h36
